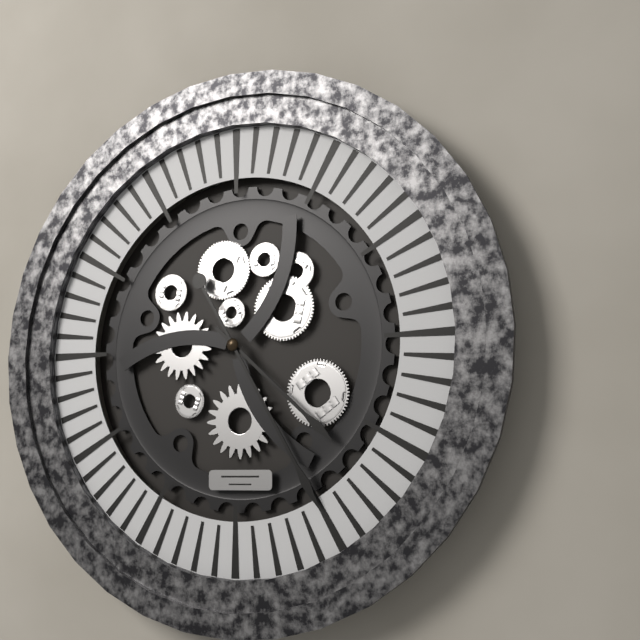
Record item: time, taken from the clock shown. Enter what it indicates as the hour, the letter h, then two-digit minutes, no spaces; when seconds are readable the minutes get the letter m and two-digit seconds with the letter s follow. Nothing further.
4h25
